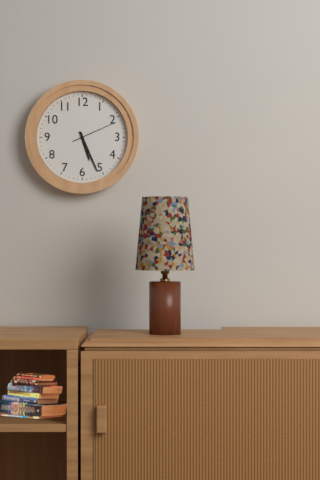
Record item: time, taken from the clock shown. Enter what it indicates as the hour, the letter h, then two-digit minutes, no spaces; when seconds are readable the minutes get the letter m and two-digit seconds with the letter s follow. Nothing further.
5h26
